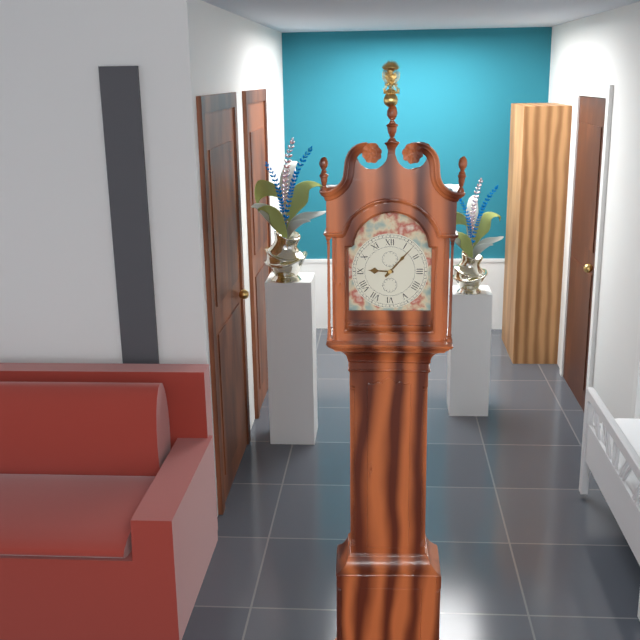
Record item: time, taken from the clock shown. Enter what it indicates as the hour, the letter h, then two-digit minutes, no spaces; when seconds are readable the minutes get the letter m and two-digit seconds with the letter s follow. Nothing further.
9h07
